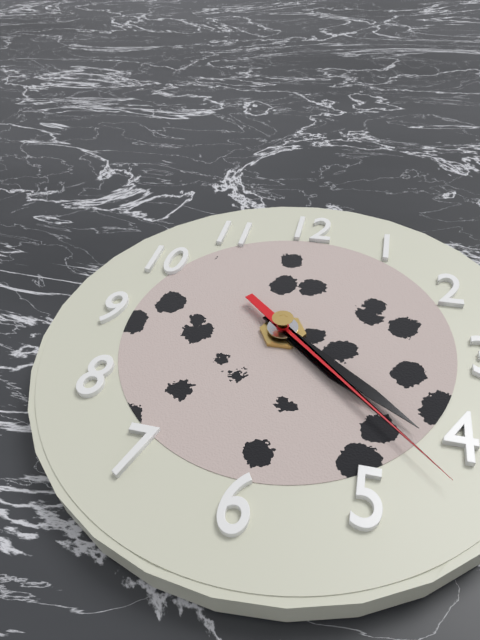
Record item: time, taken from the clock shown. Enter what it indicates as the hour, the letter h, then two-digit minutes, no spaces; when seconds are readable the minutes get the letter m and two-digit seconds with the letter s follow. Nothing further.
4h21m22s
